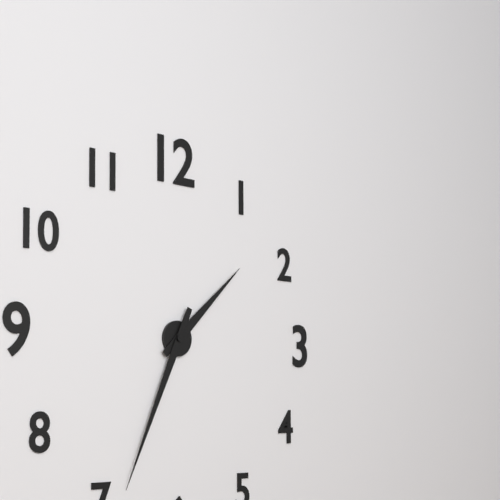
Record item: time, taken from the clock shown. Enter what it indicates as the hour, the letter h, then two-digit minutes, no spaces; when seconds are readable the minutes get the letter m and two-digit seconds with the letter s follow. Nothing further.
1h34
